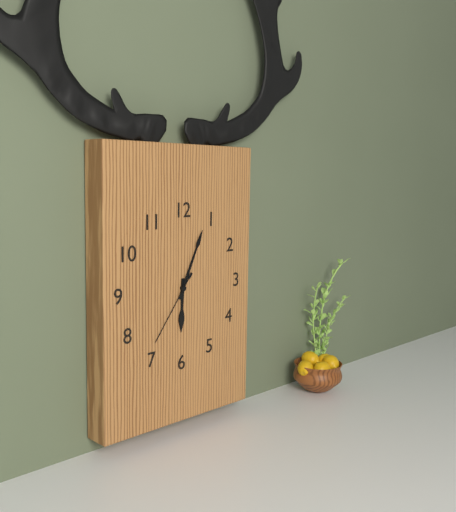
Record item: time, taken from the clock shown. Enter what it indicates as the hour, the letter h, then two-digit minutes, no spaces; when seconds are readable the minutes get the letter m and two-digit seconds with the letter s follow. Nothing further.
6h04m36s
